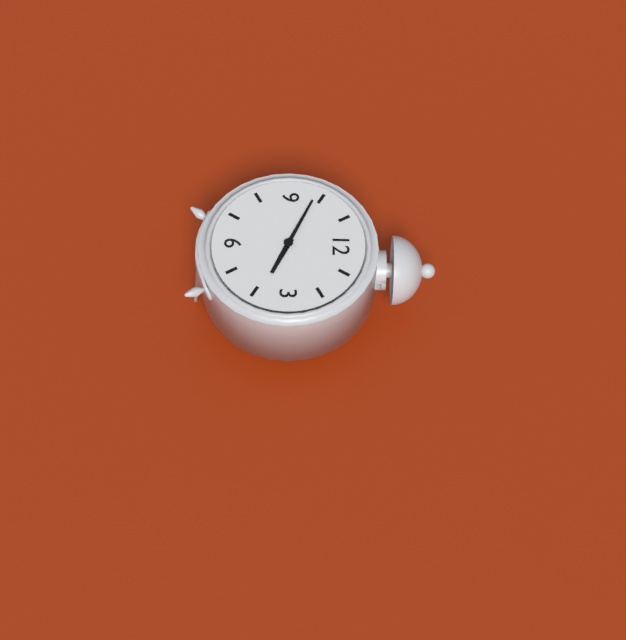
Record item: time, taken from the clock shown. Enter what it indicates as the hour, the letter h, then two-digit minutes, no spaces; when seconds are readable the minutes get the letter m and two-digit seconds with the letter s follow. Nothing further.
3h49
